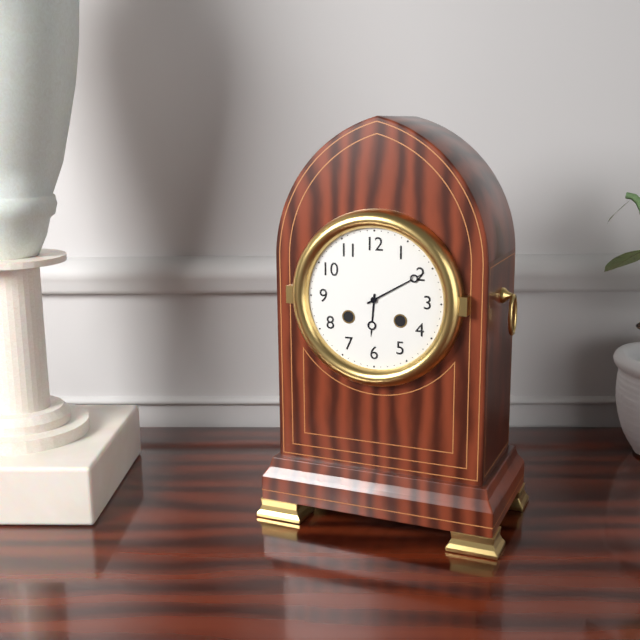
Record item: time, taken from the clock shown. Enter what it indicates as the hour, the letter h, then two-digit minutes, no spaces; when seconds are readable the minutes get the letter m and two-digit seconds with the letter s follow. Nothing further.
6h10
